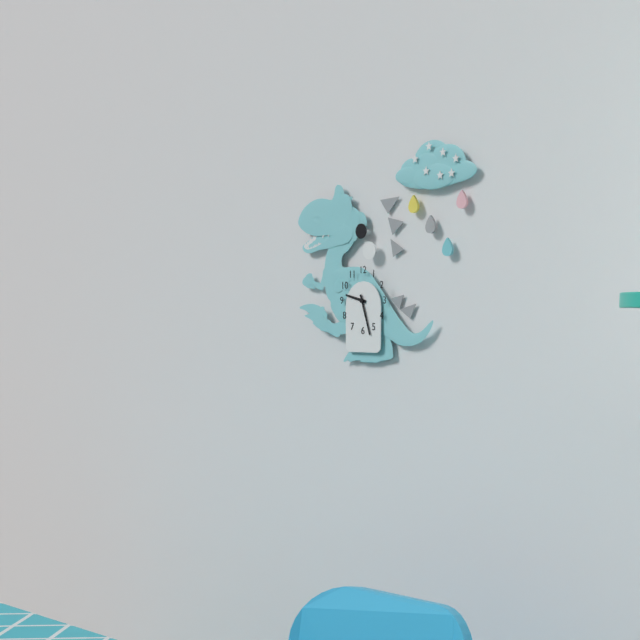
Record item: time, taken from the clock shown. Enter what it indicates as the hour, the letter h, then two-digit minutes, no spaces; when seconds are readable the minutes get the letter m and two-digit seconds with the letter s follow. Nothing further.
9h27
